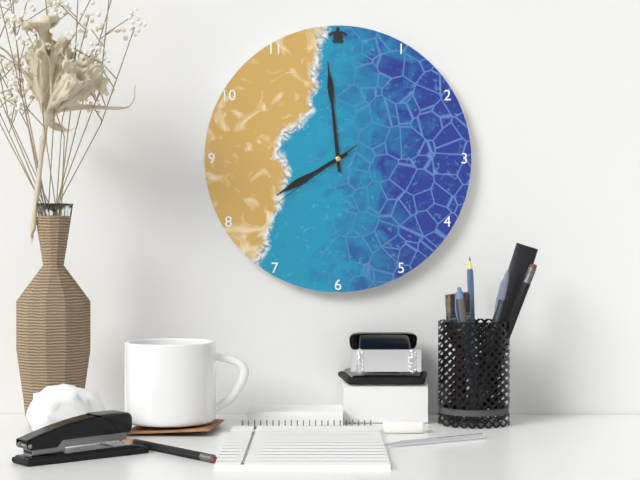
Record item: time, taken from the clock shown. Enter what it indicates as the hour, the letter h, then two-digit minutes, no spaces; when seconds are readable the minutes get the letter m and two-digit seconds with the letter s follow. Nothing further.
7h59m39s
